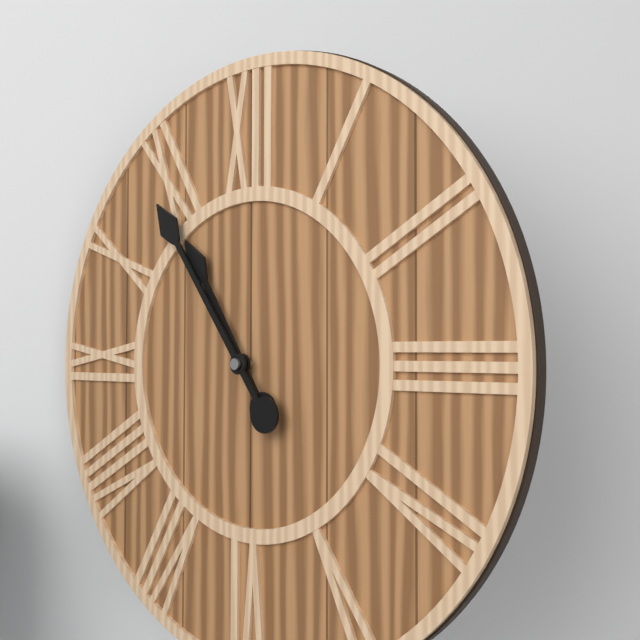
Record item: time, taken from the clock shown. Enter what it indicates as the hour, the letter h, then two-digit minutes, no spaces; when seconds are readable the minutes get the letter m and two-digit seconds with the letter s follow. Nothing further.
10h54
